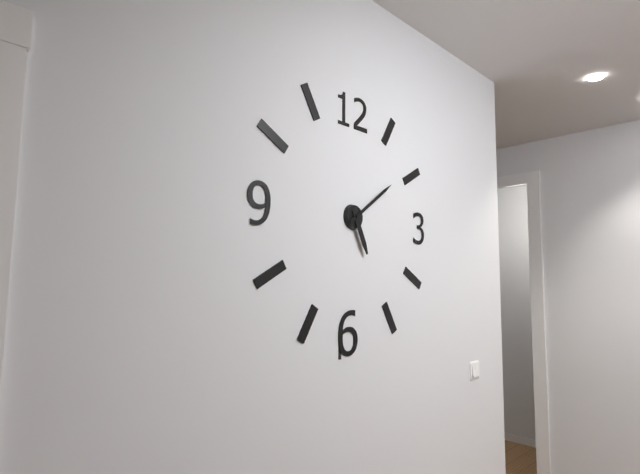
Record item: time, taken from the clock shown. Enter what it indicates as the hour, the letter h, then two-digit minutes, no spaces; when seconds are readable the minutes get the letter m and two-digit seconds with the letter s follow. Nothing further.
5h09
